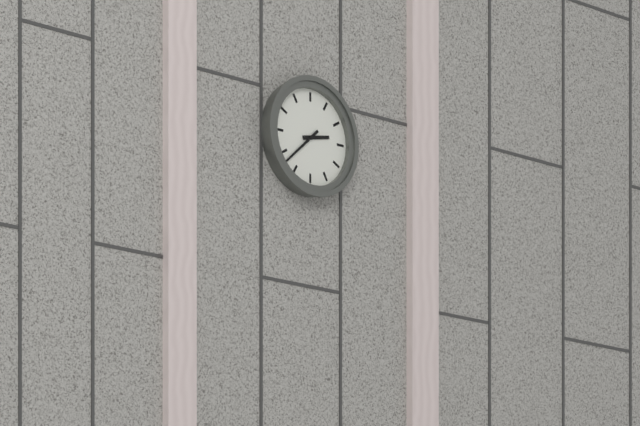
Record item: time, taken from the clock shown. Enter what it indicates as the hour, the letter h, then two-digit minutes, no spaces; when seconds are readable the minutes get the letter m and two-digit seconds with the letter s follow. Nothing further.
2h38
